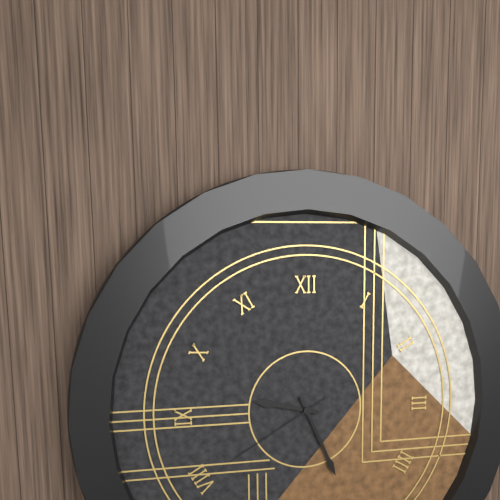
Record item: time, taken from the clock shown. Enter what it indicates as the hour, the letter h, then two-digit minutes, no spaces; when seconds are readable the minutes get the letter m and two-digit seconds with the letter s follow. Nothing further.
9h26m40s
